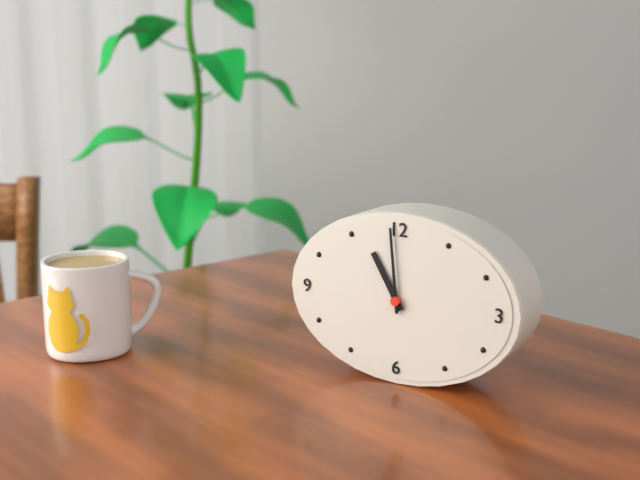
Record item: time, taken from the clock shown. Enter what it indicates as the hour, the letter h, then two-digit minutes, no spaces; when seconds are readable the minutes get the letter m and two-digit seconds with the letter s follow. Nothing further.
10h59
